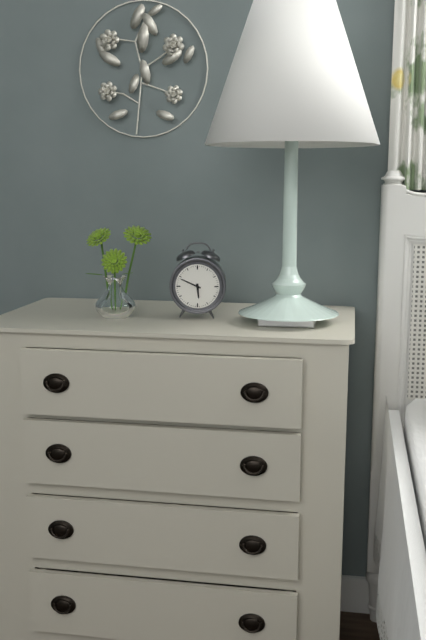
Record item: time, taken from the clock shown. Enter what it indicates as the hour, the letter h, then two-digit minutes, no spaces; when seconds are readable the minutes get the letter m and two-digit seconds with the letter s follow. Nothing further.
5h49
